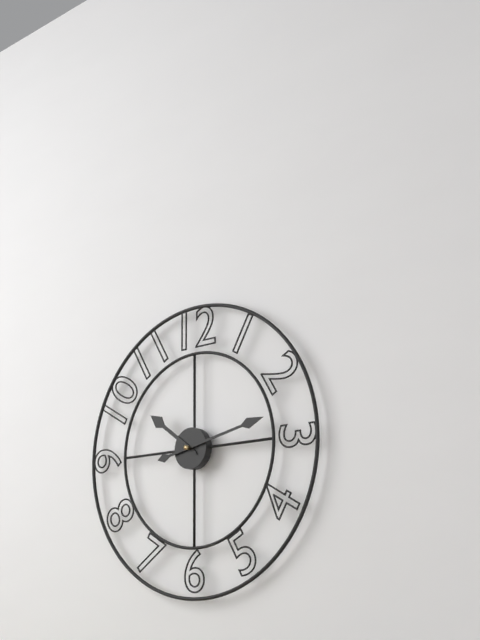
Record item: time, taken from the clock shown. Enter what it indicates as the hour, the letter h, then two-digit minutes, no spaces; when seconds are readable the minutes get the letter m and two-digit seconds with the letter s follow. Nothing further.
10h13
